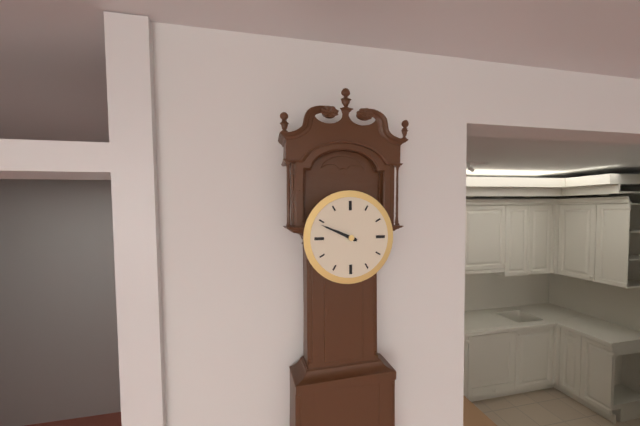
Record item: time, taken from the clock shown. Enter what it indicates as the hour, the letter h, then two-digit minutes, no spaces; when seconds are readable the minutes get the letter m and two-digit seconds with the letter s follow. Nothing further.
9h49
